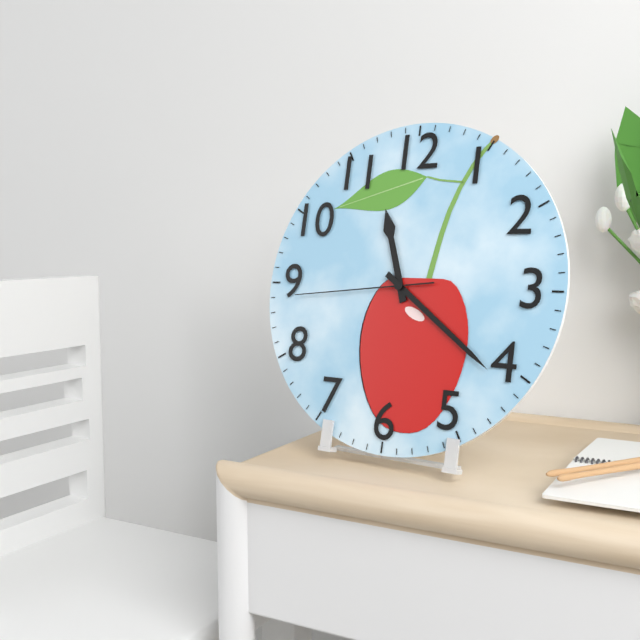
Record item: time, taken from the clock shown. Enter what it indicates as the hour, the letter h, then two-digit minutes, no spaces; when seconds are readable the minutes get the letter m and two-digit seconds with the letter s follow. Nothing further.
11h21m44s
